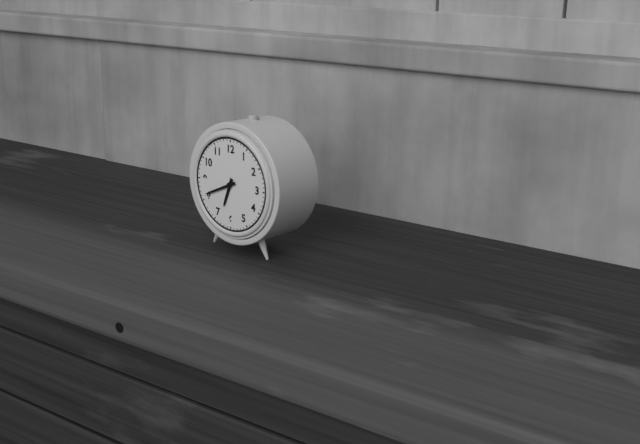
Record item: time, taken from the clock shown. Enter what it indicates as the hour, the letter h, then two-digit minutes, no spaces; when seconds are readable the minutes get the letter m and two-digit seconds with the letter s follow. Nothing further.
6h41
